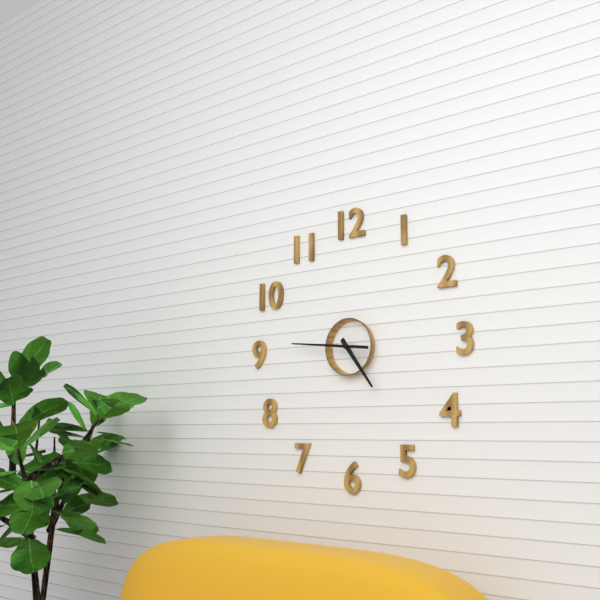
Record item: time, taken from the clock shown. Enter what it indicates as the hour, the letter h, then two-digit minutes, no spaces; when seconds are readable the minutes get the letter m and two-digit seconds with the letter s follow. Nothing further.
4h46
